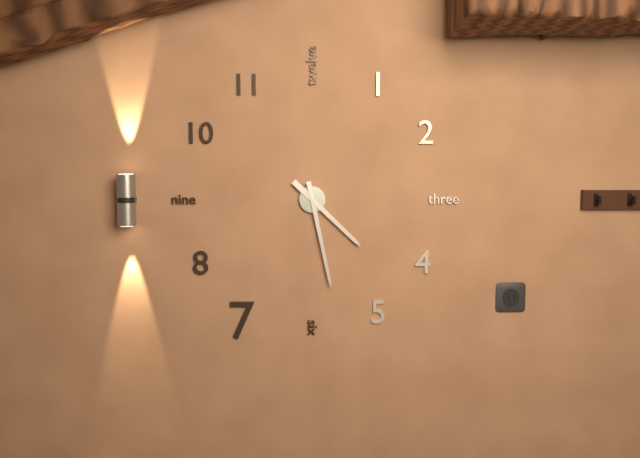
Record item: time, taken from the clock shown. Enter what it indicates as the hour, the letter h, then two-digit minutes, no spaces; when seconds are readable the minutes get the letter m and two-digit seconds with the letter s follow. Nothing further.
4h28
